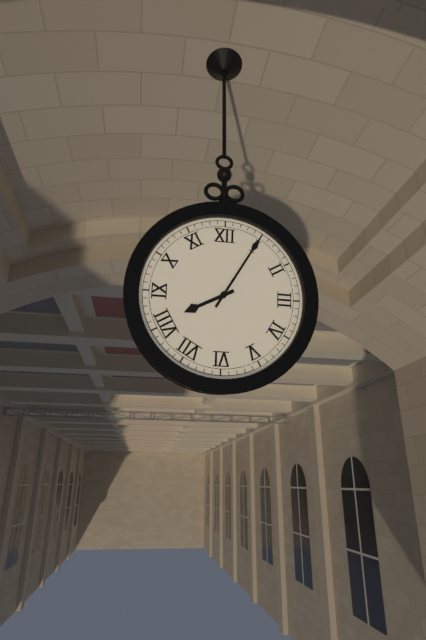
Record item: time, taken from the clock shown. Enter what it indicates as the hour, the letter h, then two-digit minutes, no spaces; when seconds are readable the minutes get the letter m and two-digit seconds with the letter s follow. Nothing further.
8h05
